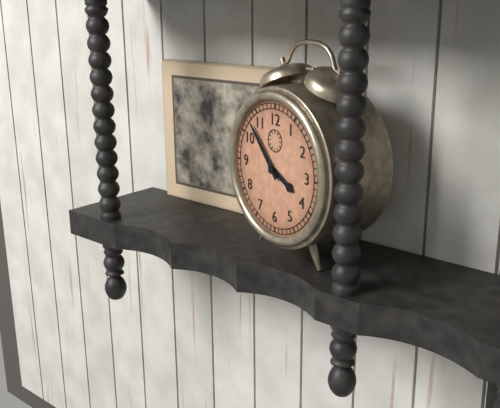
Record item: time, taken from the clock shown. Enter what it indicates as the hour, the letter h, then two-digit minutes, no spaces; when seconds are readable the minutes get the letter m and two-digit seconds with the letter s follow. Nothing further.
3h53
